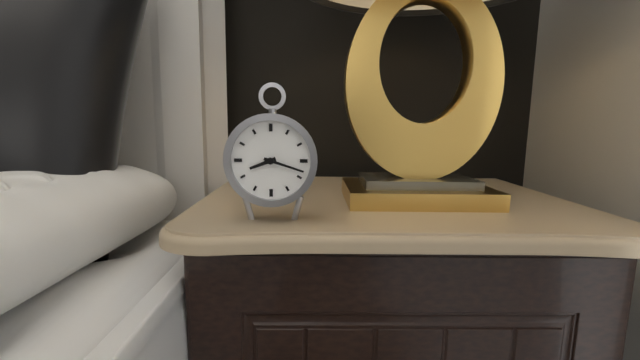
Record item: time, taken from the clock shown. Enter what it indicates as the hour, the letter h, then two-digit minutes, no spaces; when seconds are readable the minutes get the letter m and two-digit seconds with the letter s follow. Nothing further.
8h18
